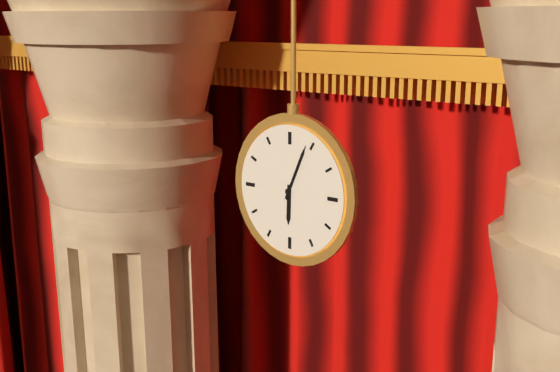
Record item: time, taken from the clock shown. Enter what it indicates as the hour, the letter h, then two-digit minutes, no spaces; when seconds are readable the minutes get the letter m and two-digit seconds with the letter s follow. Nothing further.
6h04
